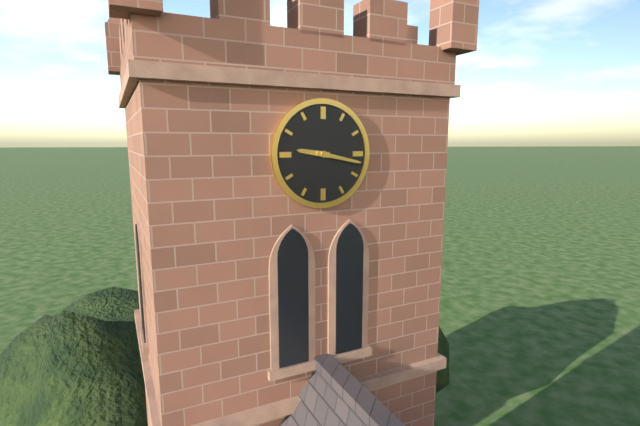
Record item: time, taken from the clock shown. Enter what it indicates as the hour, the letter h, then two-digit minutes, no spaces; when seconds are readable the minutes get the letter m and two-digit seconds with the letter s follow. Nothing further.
9h17
